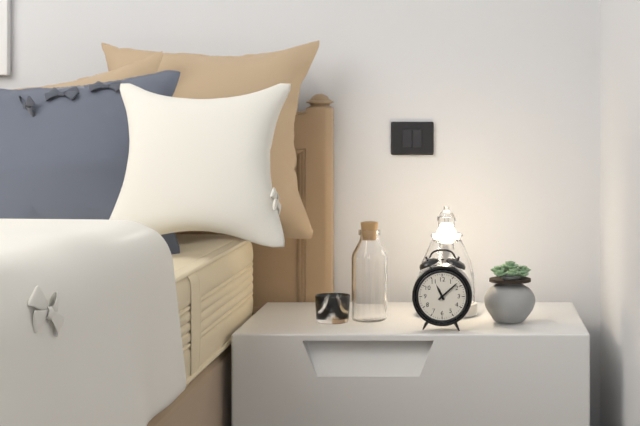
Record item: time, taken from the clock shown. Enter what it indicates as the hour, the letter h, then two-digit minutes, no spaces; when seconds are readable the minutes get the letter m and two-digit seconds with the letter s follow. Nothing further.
11h08
